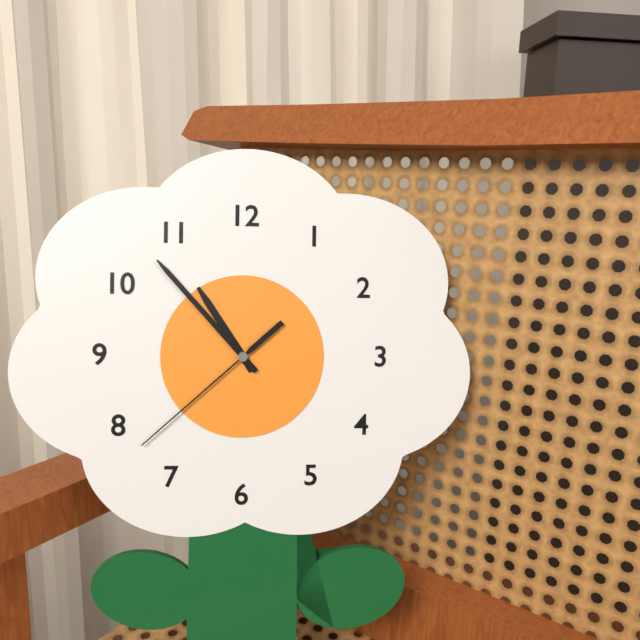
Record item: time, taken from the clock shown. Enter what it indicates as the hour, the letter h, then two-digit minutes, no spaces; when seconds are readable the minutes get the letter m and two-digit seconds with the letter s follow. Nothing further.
10h53m38s
